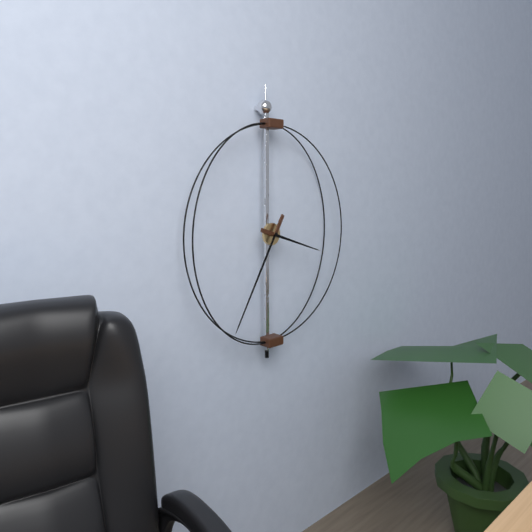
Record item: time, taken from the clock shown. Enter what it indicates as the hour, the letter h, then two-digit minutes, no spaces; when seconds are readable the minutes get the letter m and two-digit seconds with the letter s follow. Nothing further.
3h35
